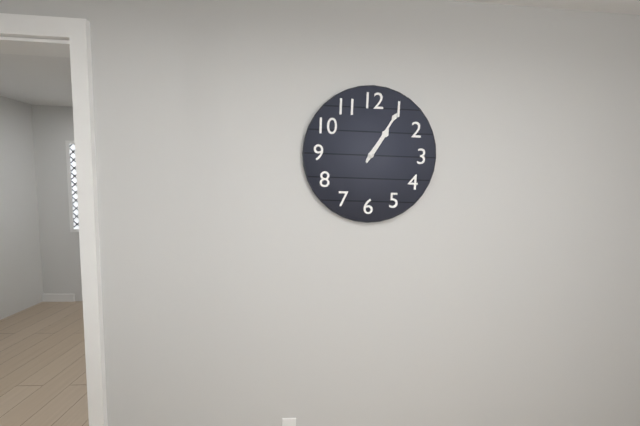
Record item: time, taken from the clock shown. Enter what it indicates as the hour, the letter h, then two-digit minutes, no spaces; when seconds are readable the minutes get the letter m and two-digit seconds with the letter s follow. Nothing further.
1h05
